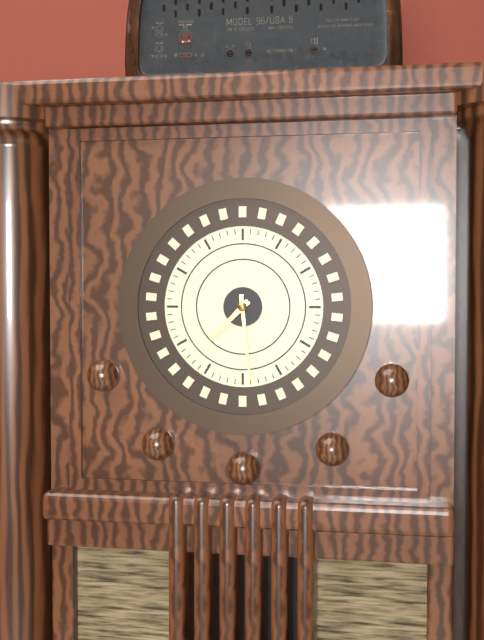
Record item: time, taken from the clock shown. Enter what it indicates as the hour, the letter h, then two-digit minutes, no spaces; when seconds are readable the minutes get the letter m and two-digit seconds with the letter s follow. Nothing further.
7h29
